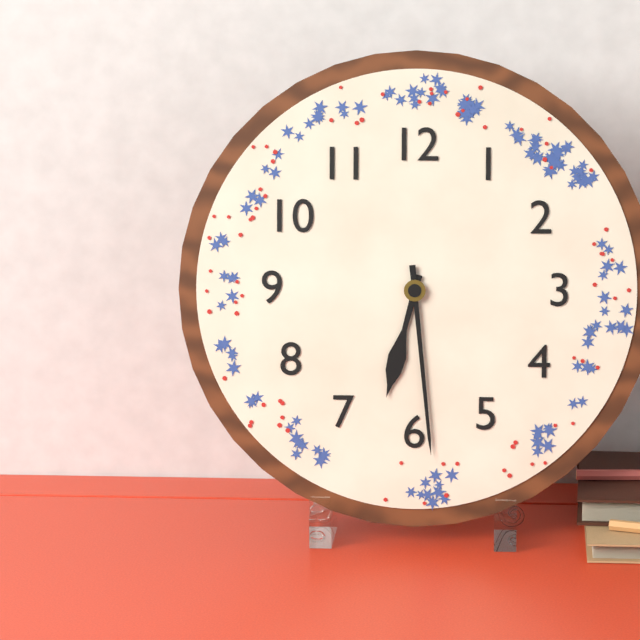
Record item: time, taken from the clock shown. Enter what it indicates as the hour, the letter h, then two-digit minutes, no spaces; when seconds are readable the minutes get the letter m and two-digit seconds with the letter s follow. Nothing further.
6h29
